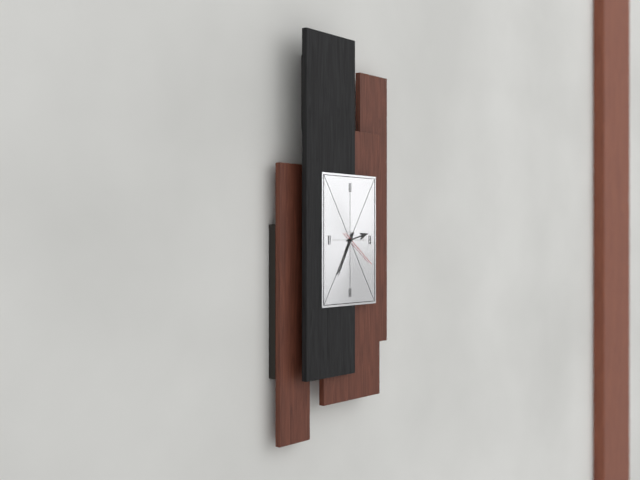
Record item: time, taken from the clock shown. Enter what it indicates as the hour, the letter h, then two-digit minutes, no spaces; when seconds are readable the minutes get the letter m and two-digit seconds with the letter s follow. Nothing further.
2h35m21s
